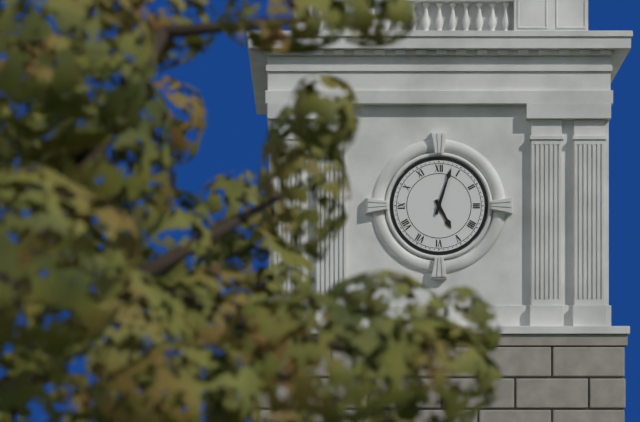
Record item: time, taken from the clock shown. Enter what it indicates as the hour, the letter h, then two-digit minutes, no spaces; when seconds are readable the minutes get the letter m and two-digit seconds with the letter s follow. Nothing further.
5h03
